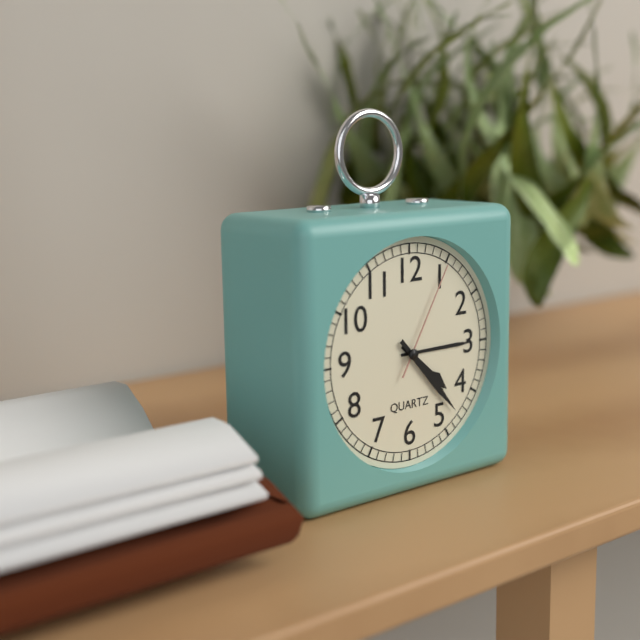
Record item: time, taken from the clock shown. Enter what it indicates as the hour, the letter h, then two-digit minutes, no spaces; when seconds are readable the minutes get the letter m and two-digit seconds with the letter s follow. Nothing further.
4h23m05s
